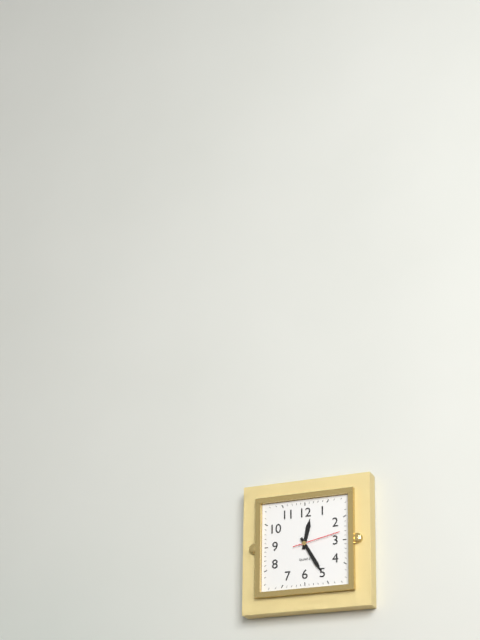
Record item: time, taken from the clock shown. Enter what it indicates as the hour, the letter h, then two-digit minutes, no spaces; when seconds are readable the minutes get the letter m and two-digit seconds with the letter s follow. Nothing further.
12h25
